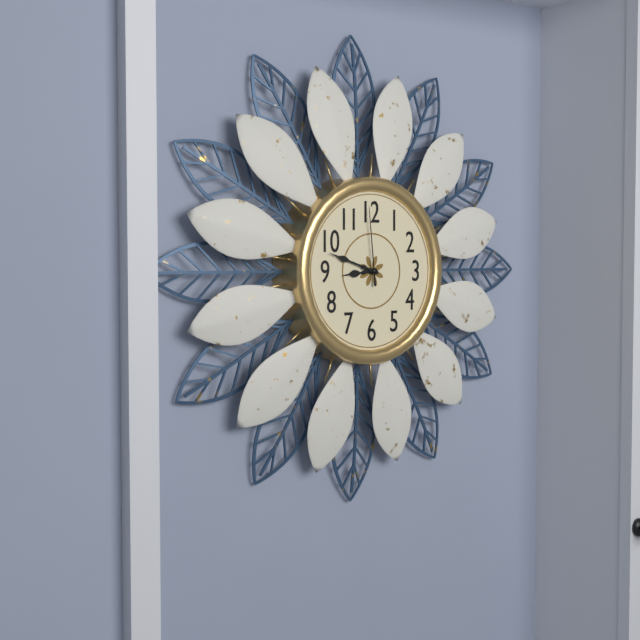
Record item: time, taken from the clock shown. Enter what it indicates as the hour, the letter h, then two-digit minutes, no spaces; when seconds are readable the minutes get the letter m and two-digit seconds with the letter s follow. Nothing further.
8h48m59s
